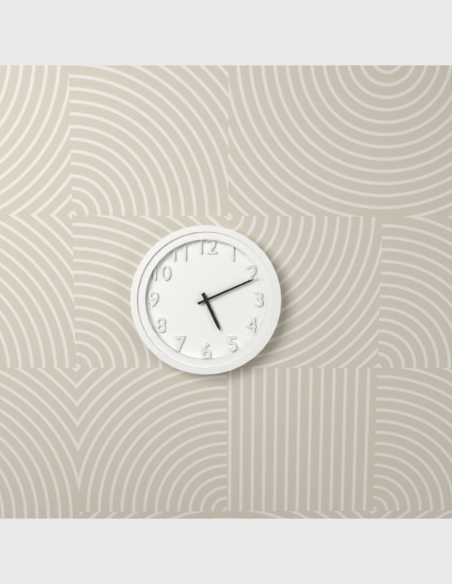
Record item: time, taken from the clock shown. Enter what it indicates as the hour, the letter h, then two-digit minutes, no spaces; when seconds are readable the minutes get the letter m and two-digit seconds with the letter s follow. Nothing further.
5h11
